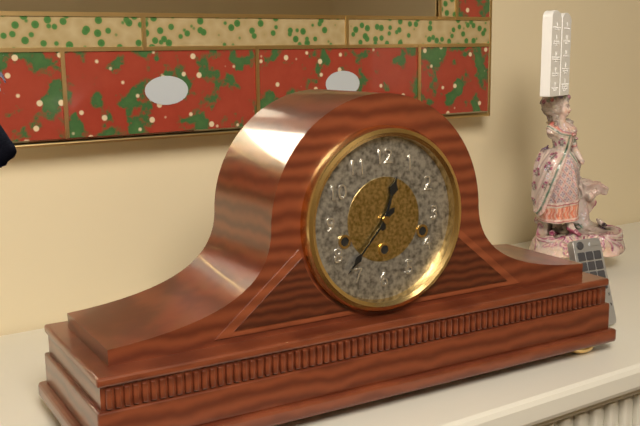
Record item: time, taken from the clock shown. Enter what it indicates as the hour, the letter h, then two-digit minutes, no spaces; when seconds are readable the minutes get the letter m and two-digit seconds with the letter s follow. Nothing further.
12h37
